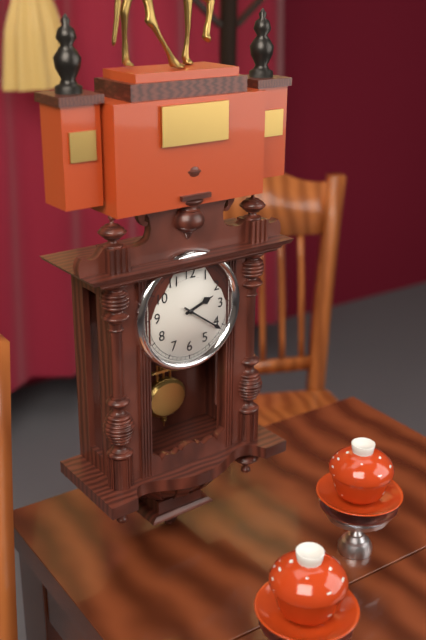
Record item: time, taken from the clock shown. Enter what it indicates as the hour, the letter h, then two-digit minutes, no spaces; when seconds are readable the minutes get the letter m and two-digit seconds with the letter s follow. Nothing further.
2h21
